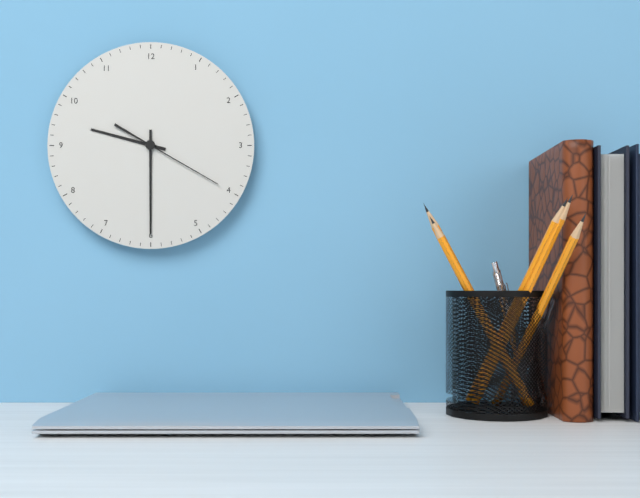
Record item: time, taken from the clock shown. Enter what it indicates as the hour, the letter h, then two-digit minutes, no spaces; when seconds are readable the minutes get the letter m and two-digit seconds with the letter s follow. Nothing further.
9h30m20s
